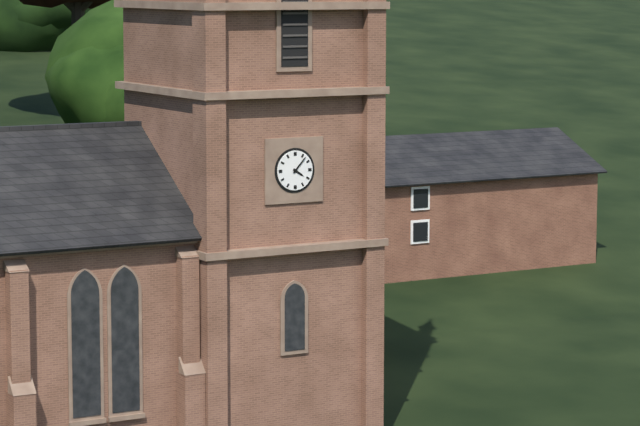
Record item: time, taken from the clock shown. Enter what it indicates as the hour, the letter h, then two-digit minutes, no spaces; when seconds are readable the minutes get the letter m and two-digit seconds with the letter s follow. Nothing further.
4h07
